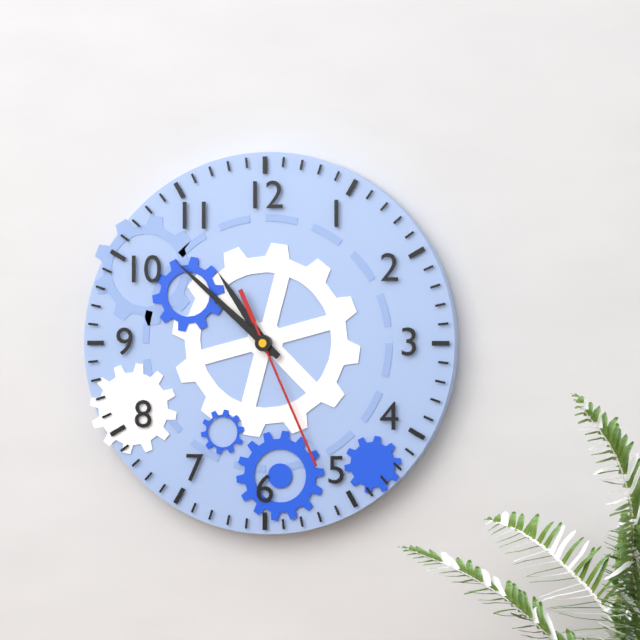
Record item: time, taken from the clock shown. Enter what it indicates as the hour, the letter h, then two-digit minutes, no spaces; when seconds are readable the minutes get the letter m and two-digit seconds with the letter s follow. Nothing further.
10h52m26s
